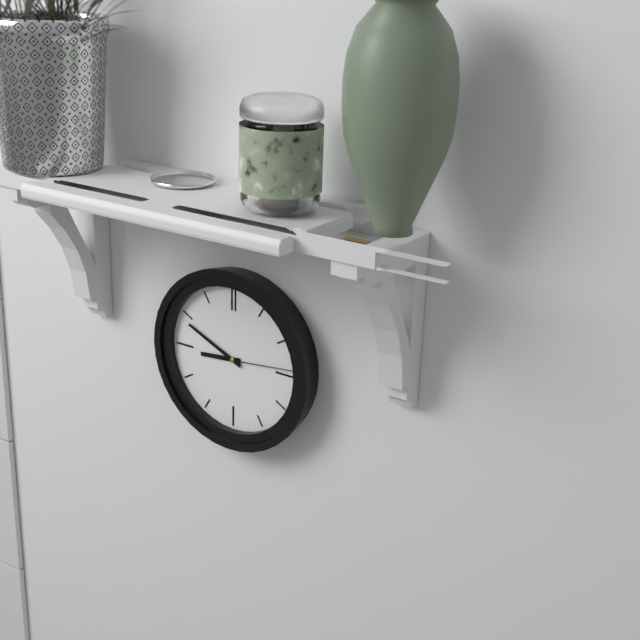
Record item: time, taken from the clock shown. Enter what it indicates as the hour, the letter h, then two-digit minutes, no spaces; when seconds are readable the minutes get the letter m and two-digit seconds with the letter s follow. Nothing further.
8h49m14s
